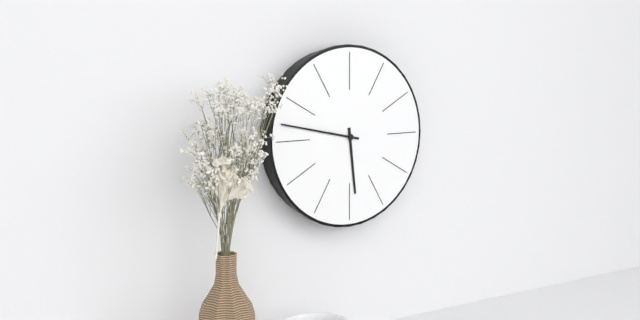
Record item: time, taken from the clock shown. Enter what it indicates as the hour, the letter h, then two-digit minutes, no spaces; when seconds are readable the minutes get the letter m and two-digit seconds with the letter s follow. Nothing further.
5h47
